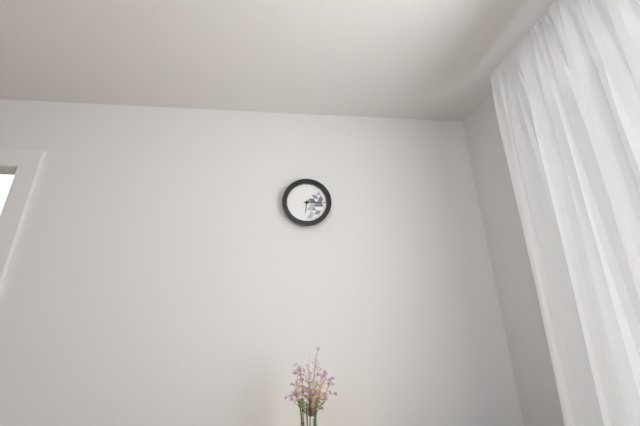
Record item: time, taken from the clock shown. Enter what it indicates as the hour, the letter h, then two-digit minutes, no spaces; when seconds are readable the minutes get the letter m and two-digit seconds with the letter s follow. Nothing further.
6h15
